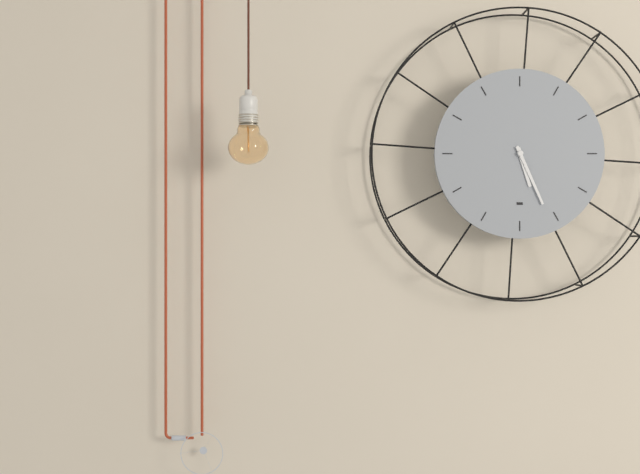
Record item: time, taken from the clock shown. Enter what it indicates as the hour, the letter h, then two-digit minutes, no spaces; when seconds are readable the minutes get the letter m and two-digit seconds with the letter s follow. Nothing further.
5h26
